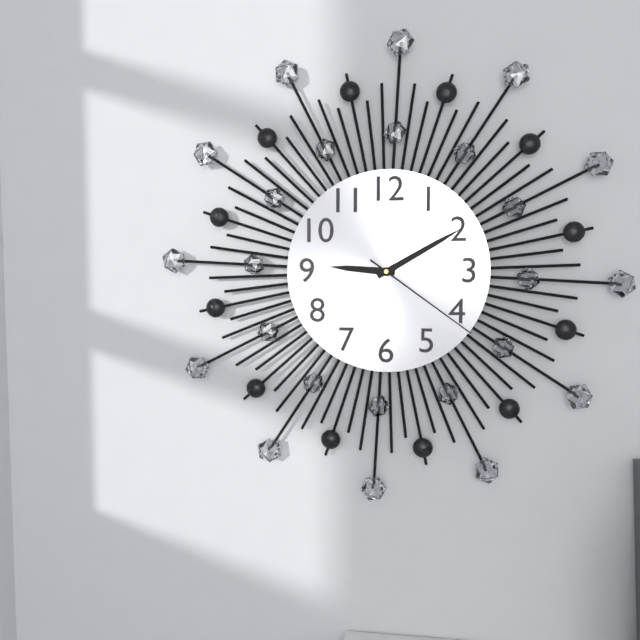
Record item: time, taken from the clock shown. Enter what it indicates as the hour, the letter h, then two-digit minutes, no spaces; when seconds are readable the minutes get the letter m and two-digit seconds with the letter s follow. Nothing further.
9h10m21s
